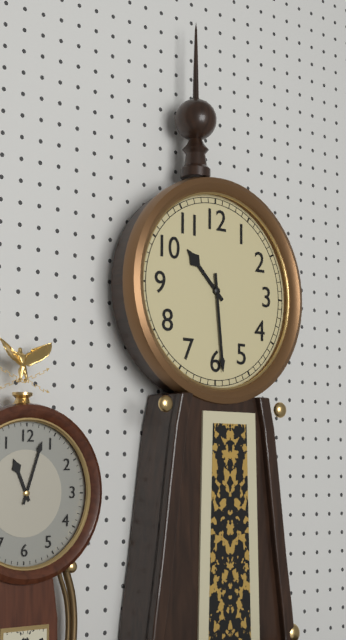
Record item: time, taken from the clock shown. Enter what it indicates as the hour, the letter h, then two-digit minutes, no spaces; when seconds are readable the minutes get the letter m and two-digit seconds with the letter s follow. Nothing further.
10h29
